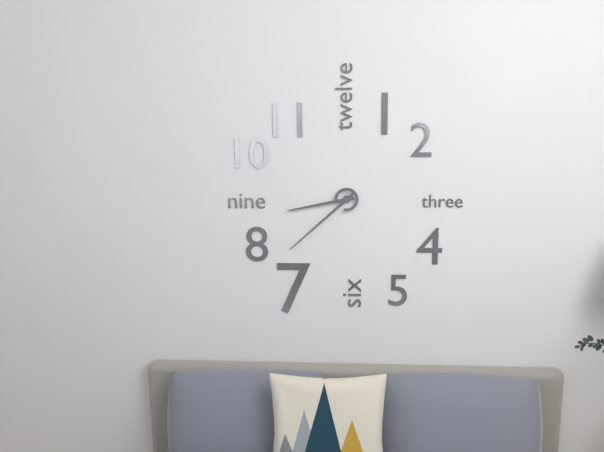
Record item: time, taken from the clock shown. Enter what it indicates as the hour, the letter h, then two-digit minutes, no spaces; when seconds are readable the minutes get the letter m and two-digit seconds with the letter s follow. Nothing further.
8h38
